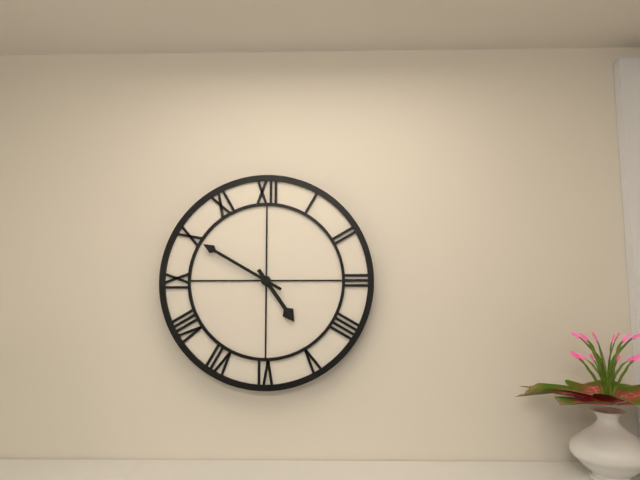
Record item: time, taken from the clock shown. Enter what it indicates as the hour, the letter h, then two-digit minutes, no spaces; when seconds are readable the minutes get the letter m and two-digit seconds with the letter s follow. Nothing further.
4h50
